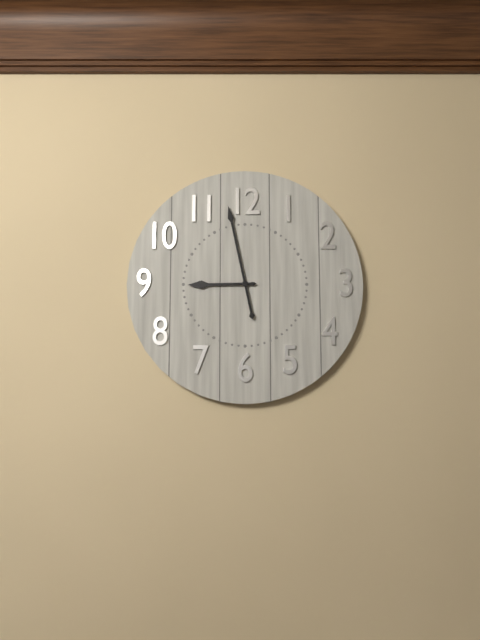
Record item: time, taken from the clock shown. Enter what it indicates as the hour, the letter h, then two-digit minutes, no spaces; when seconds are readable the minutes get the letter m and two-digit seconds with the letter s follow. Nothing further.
8h58
